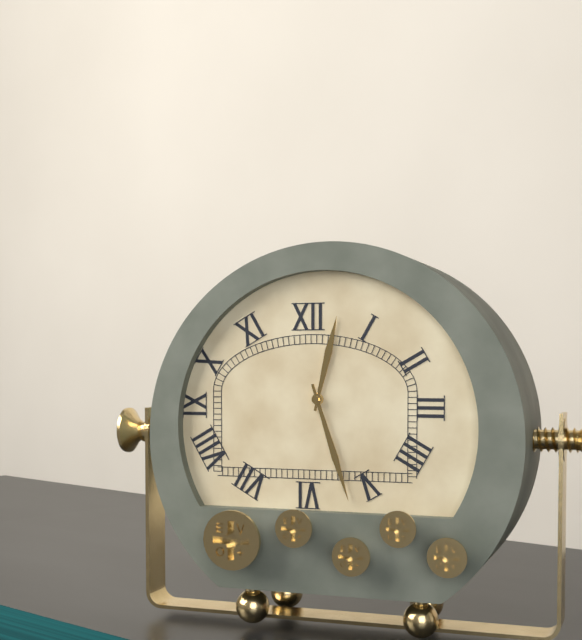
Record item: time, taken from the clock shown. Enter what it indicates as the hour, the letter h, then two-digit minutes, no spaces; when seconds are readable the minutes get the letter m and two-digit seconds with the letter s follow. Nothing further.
12h27
